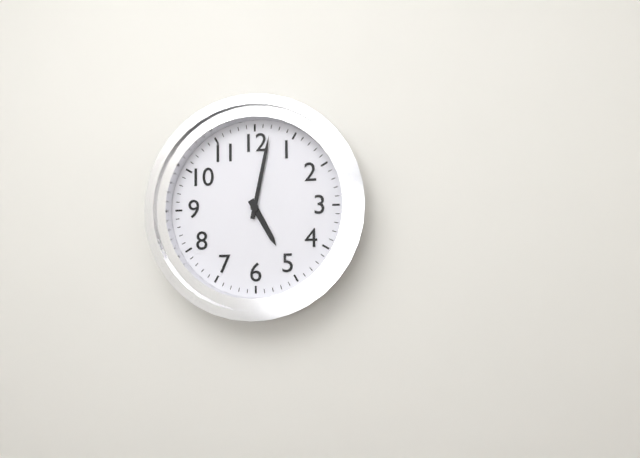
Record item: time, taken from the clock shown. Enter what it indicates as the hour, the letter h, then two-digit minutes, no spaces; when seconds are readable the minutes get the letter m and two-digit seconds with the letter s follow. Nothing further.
5h02
